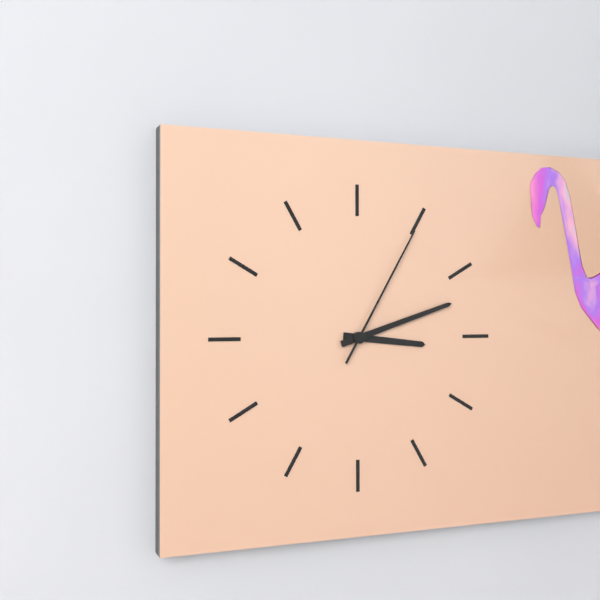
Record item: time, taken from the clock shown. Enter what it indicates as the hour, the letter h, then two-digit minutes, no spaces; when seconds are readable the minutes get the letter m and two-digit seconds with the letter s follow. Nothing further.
3h12m05s
